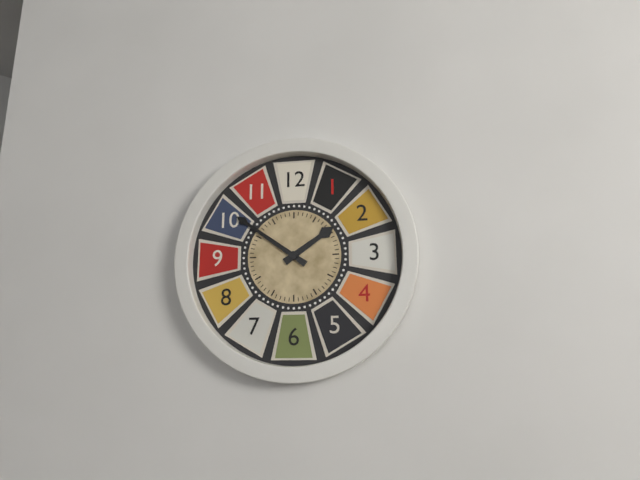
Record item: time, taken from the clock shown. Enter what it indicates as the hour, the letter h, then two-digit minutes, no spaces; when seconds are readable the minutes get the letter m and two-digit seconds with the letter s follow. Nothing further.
1h51
